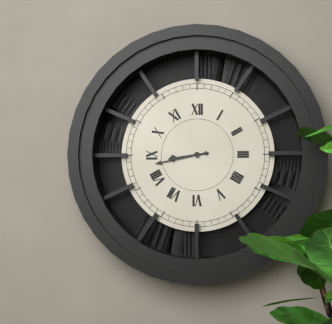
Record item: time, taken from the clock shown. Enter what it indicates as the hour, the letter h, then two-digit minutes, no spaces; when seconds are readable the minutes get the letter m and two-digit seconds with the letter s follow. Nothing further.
8h43
